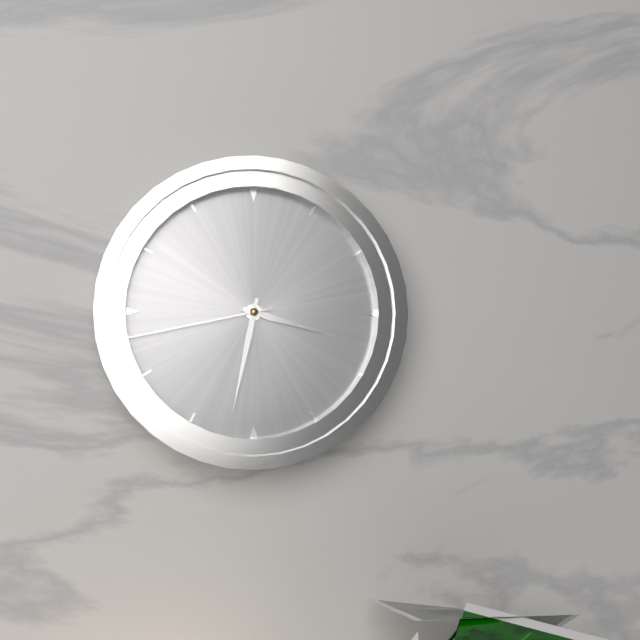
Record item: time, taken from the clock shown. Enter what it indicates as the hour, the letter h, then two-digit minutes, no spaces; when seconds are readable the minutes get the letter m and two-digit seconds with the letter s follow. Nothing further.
3h32m43s
